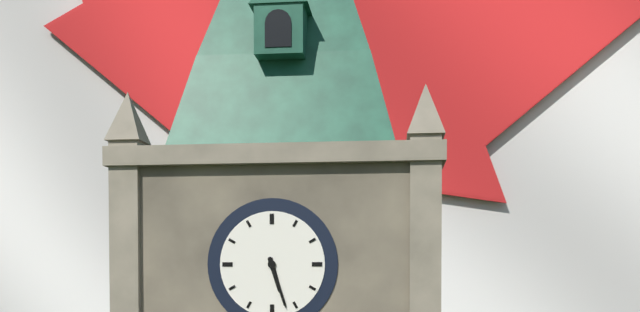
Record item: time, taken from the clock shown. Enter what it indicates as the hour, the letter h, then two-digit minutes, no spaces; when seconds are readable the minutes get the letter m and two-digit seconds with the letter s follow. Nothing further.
5h27
